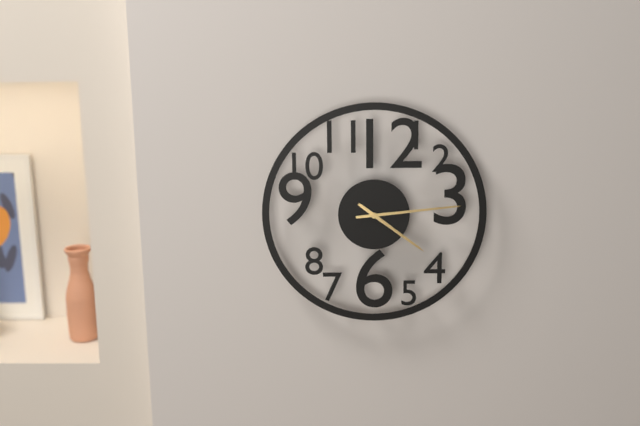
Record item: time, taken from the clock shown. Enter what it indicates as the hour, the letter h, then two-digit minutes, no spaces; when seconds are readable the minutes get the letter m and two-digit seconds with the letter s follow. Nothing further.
4h14
